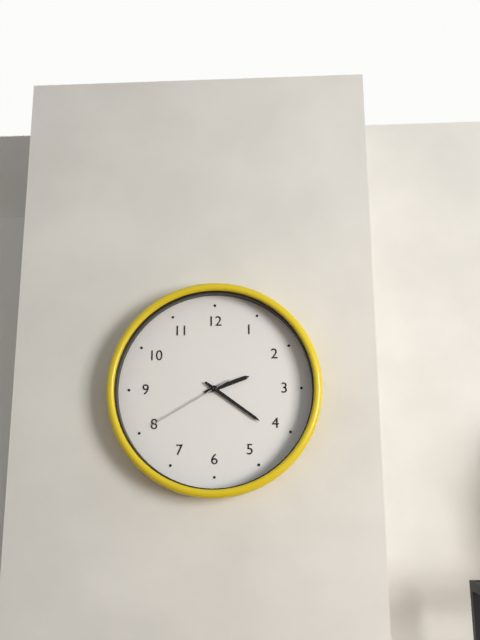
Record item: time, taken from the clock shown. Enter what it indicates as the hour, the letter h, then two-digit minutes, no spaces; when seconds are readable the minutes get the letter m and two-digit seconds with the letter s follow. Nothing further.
2h21m40s
